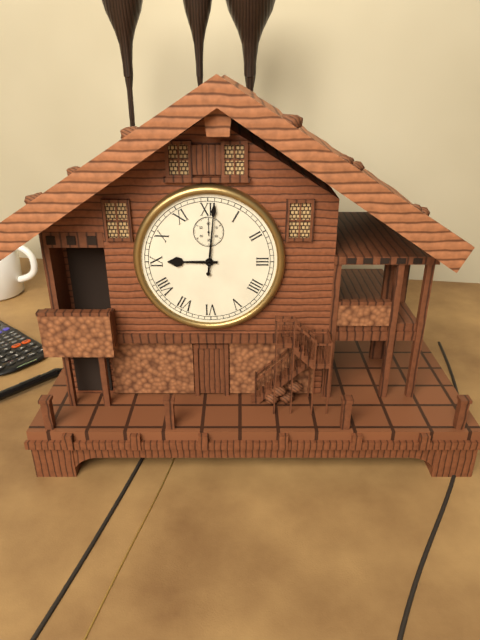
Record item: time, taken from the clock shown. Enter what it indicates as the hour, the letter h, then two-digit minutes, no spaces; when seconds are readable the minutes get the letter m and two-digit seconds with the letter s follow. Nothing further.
9h01
